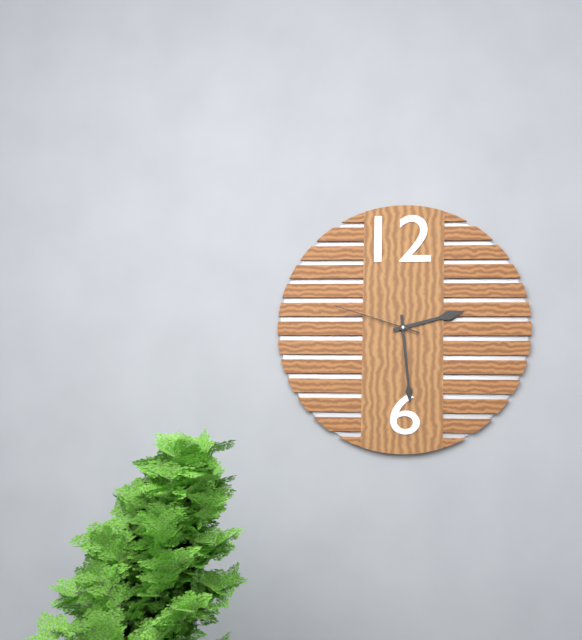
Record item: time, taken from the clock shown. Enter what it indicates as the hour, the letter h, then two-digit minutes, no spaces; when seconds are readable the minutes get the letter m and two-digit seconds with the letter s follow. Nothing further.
2h29m48s
